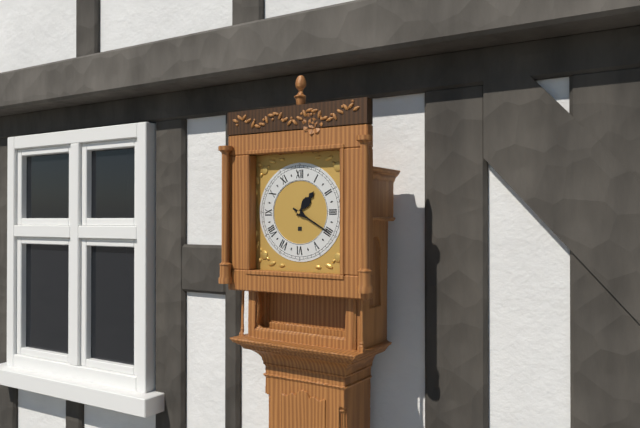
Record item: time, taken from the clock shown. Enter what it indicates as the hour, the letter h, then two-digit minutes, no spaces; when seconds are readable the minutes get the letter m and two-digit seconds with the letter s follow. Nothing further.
1h20
